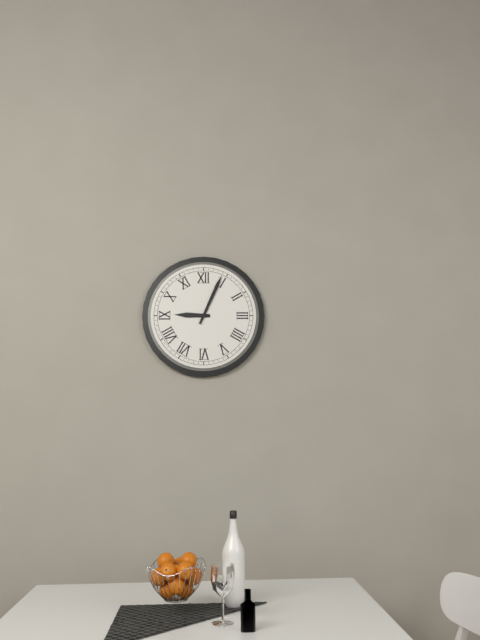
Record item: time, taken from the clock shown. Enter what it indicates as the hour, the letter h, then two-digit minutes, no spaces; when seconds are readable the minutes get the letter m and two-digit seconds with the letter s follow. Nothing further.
9h04
